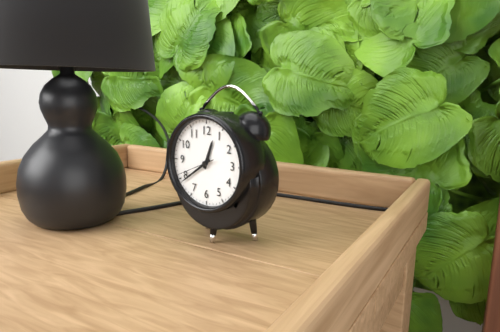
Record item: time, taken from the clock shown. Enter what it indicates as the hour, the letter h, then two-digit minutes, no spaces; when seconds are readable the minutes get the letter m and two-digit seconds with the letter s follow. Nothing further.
12h39
